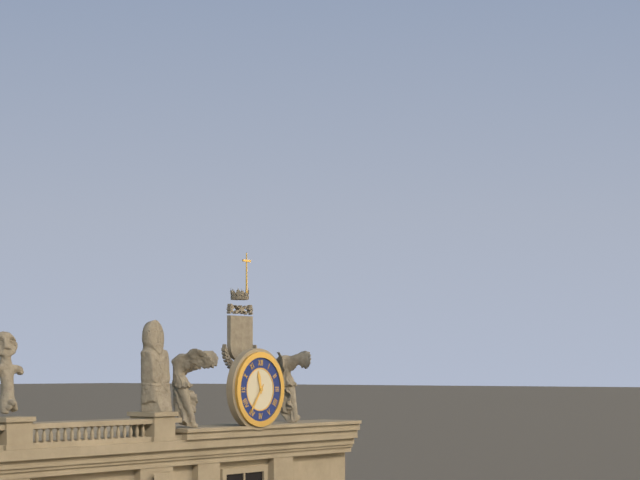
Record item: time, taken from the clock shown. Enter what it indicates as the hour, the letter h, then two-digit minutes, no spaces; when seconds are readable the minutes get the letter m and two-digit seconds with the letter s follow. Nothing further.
11h36
